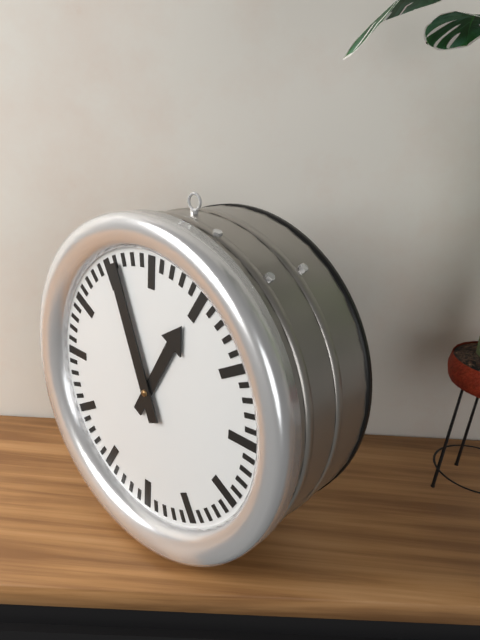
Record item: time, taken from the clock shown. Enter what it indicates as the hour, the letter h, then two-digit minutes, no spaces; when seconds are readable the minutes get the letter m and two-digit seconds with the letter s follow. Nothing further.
12h56
